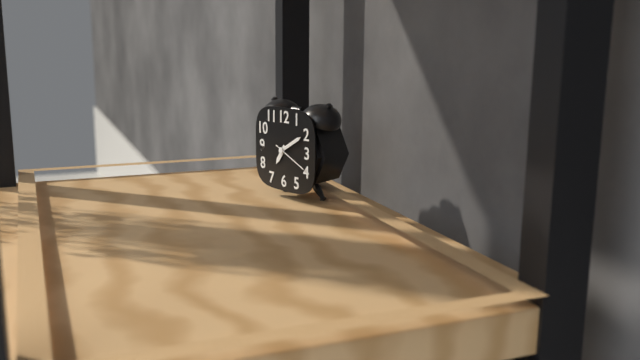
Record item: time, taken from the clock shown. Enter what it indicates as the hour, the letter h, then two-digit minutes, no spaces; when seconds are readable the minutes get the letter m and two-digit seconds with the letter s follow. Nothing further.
7h10
